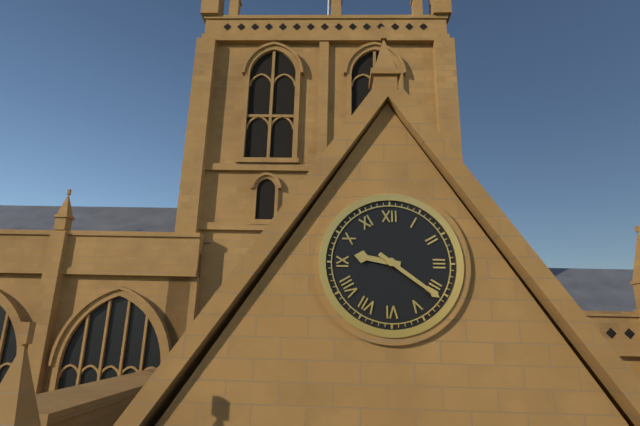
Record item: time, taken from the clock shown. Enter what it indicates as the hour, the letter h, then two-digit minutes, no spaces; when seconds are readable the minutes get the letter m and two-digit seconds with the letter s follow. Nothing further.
9h21
